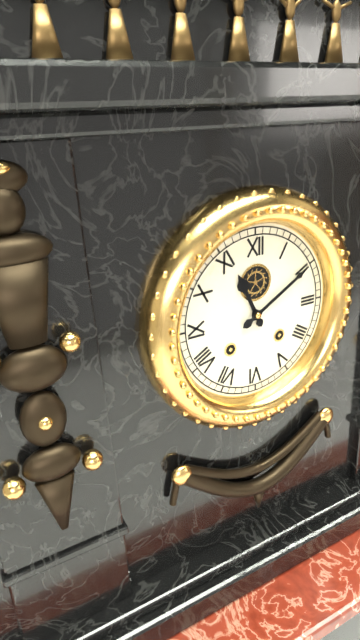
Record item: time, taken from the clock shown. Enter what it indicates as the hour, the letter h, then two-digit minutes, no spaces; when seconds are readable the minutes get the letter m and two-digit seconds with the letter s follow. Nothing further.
11h10
